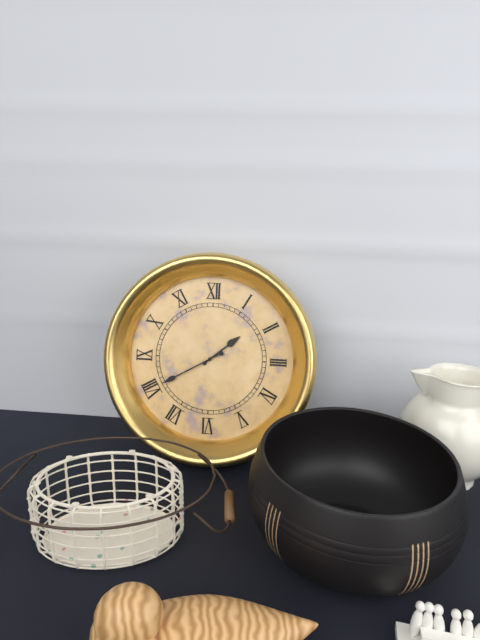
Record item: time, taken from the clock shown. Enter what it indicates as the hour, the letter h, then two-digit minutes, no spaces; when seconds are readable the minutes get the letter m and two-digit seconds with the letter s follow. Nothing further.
1h40
